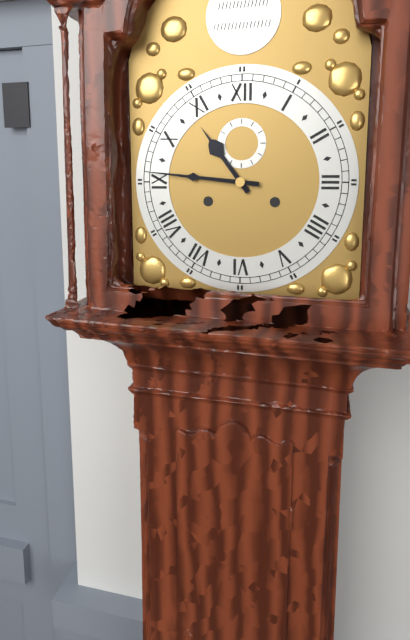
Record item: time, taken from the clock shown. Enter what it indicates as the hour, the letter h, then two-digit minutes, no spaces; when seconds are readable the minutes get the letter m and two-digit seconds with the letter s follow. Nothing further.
10h46
